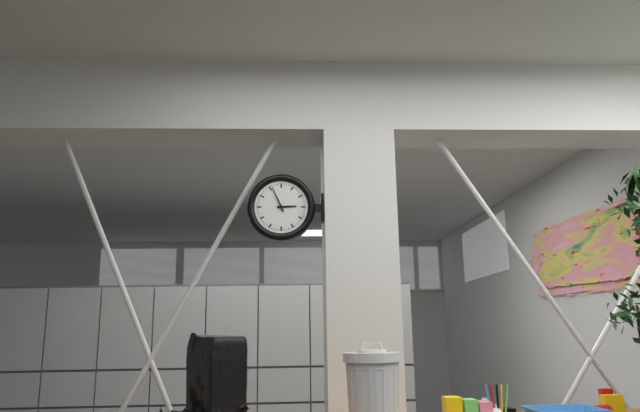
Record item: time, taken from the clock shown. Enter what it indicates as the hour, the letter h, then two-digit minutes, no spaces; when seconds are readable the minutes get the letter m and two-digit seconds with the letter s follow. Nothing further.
2h56
